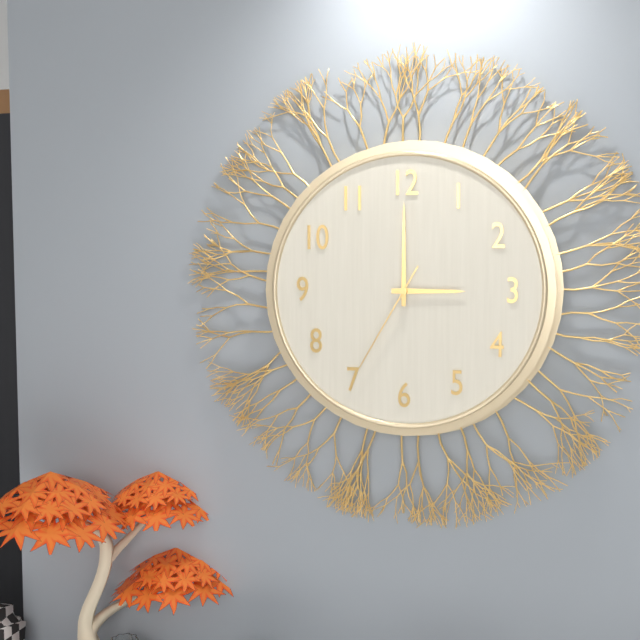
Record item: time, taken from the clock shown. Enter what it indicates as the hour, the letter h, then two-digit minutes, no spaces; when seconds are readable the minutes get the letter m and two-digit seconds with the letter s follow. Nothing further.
3h00m35s
